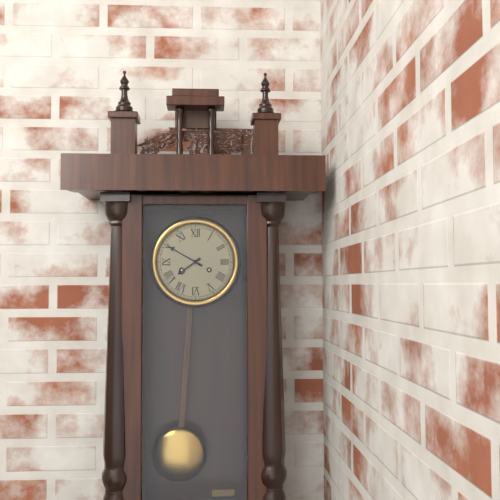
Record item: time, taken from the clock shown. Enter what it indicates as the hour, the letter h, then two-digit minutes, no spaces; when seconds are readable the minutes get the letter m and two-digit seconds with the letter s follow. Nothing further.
7h50
